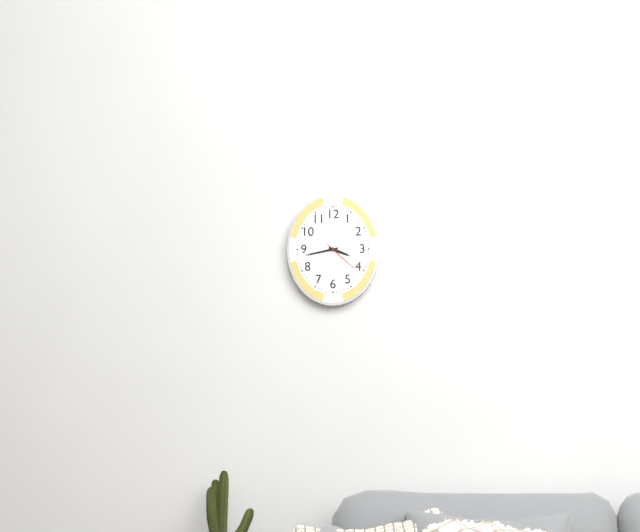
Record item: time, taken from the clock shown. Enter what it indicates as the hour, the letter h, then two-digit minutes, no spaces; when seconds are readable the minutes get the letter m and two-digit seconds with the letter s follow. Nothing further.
3h43
